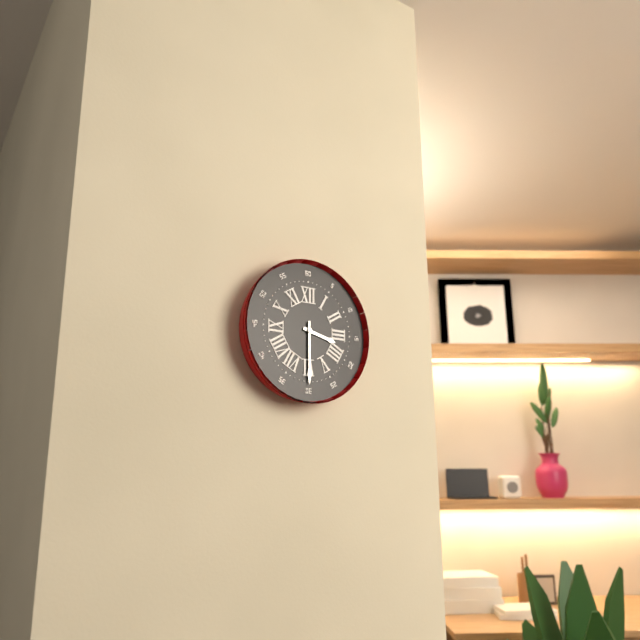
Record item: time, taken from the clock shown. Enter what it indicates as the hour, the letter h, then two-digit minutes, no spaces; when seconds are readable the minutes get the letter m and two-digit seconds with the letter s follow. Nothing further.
3h30
